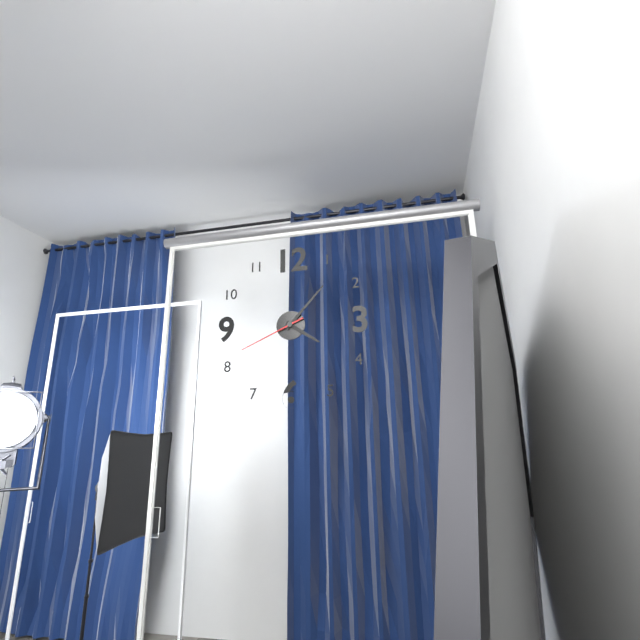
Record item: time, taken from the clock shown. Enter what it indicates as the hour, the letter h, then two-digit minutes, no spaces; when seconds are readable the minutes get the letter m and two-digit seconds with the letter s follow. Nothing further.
4h07m41s
